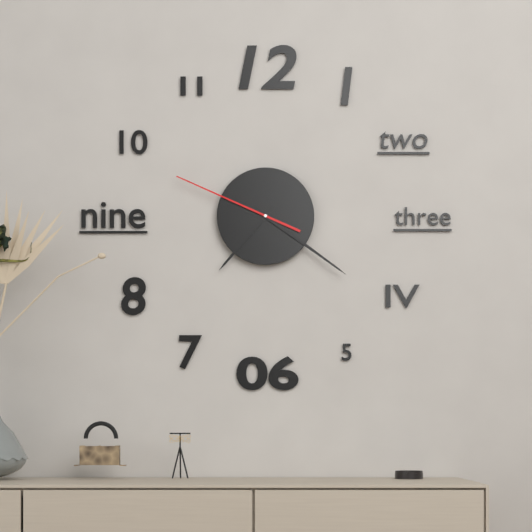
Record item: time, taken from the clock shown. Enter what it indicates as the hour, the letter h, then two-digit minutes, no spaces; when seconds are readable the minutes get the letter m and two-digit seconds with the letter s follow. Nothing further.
7h21m49s
